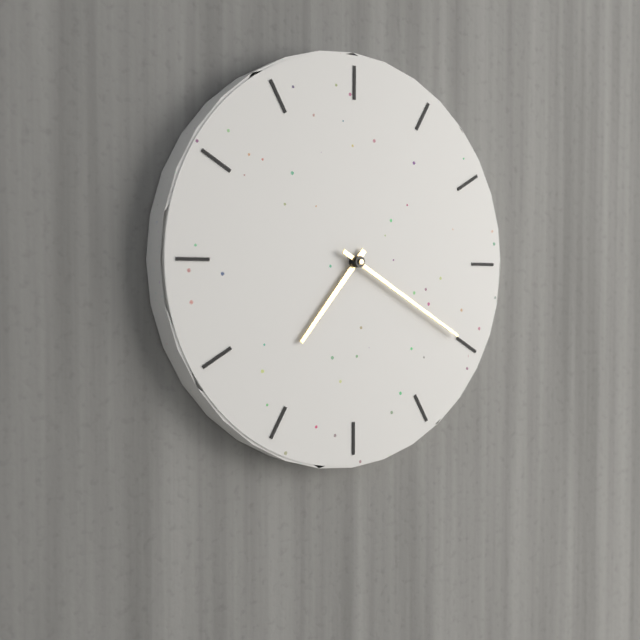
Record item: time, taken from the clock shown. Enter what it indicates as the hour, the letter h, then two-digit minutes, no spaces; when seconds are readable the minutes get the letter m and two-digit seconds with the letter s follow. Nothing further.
7h20
